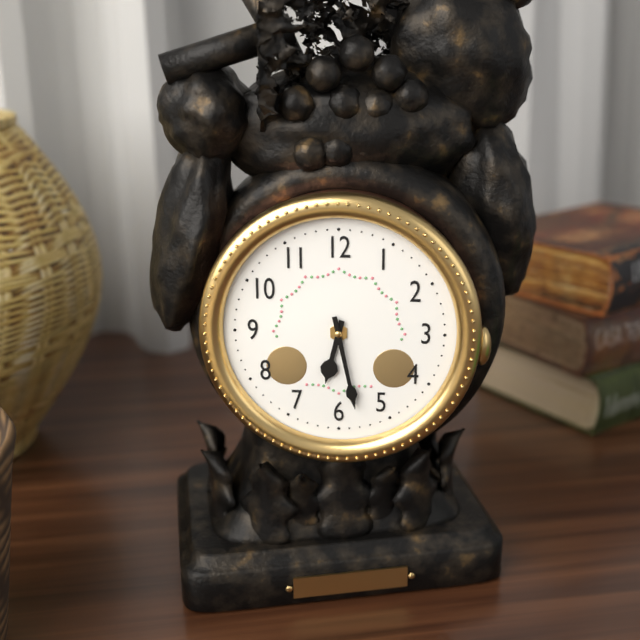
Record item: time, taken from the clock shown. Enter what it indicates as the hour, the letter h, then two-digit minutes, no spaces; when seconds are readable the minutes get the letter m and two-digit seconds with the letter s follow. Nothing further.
6h28
